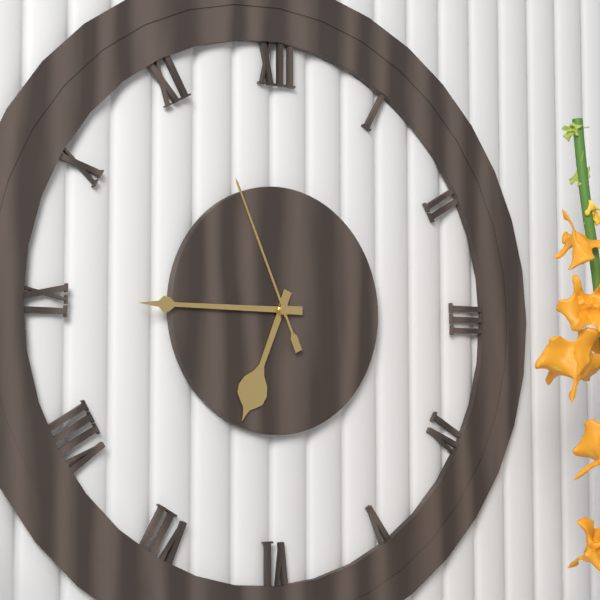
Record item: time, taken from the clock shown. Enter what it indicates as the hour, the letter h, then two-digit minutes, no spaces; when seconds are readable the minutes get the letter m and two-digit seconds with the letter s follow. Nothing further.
6h45m56s
